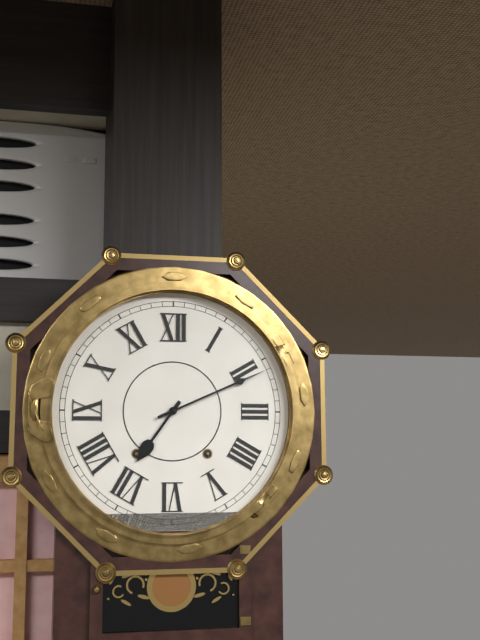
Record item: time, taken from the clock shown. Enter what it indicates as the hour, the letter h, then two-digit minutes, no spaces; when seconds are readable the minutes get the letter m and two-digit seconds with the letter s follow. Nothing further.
7h11
